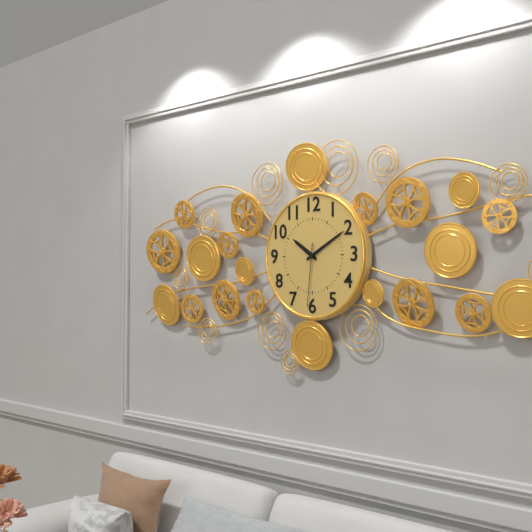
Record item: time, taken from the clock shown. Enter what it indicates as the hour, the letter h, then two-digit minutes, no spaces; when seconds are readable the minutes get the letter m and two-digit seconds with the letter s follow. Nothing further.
10h10m31s
